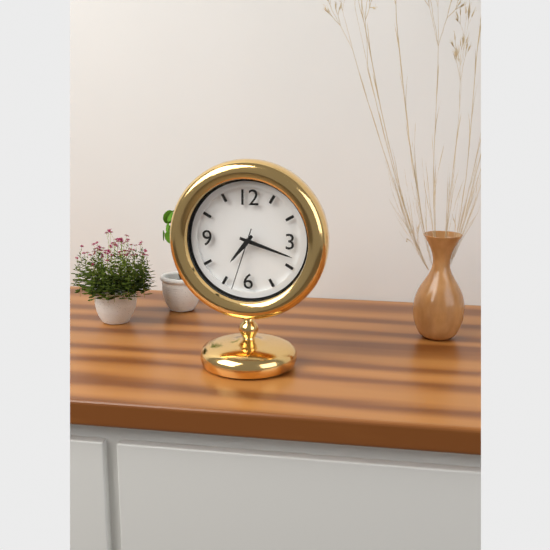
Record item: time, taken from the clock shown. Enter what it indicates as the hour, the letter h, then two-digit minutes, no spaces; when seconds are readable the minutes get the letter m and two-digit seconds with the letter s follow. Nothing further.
7h18m33s
